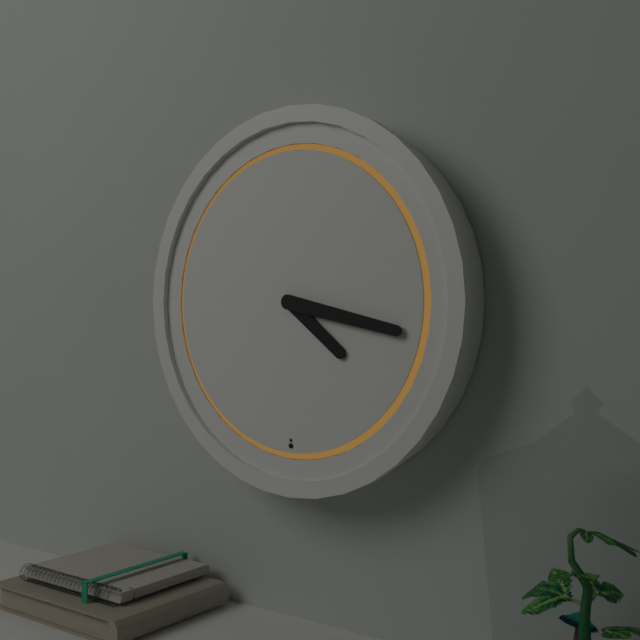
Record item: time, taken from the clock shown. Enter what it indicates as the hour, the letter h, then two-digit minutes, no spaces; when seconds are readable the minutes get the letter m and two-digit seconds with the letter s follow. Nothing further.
4h17
